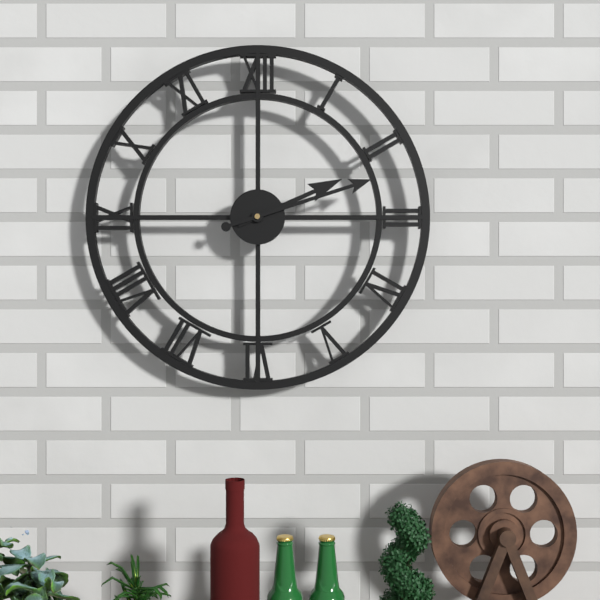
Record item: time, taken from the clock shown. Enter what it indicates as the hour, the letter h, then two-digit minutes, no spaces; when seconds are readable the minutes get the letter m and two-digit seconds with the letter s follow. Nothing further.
2h12
